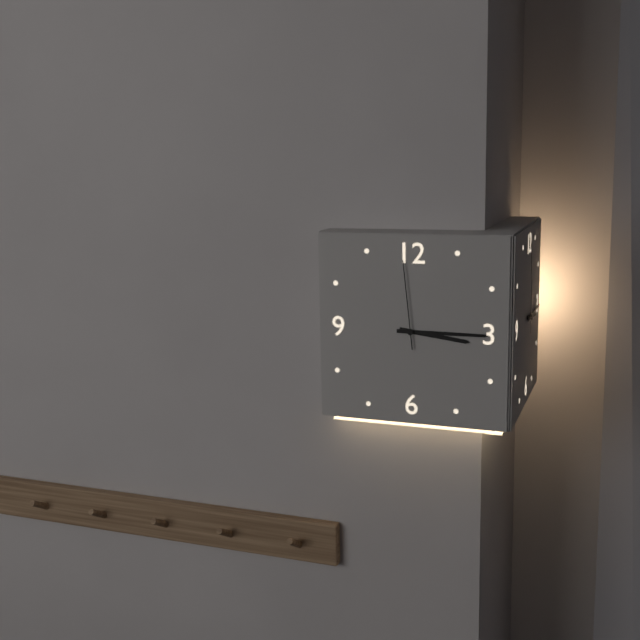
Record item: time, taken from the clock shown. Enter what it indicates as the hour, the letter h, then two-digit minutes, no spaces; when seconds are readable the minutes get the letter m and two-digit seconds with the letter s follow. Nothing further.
3h15m59s
